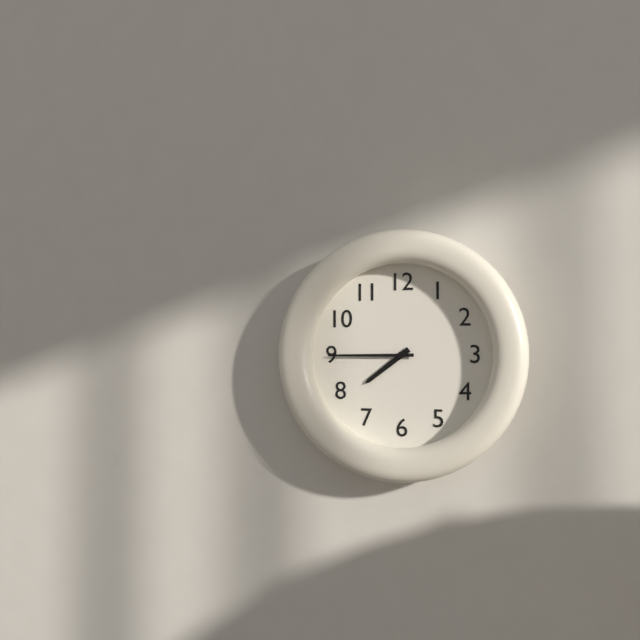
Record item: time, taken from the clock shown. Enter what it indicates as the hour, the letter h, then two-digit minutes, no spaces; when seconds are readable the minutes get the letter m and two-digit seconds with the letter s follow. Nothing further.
7h45
